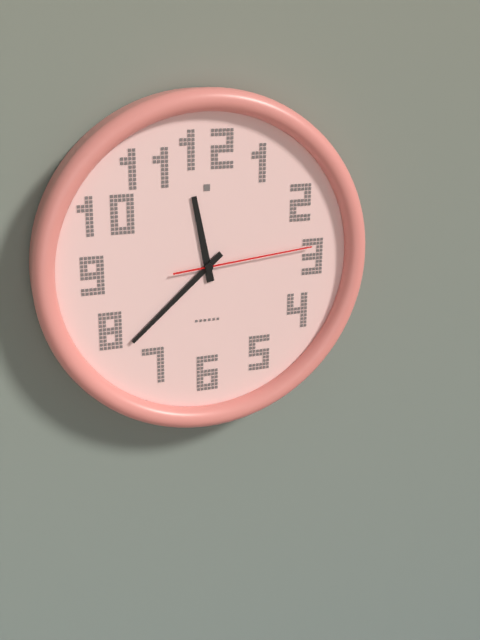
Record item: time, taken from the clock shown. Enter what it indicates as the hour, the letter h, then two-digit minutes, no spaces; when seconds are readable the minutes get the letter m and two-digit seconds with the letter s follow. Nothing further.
11h38m14s
